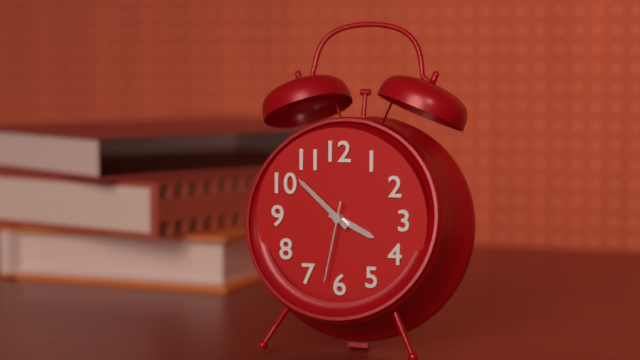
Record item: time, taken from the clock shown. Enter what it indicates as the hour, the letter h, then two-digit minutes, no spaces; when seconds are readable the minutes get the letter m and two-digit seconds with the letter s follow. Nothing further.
3h52m32s
